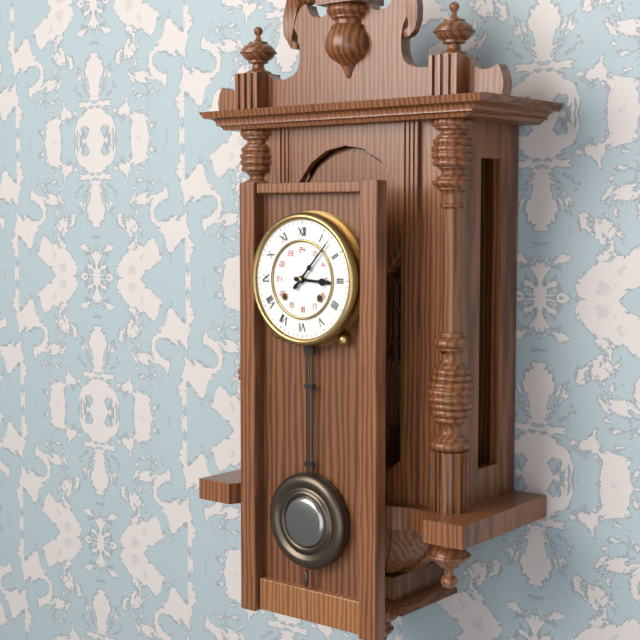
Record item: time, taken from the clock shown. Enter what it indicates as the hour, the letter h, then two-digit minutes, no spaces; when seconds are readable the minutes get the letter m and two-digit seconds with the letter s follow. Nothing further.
3h07
